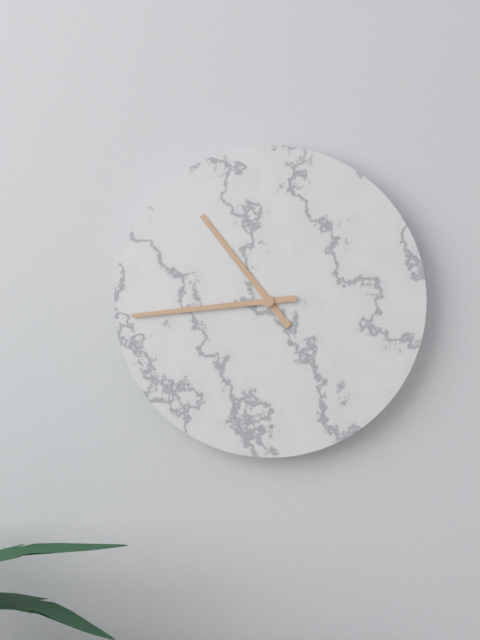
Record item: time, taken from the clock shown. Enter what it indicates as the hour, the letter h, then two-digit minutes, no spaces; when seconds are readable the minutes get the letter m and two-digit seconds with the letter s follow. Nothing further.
10h44
